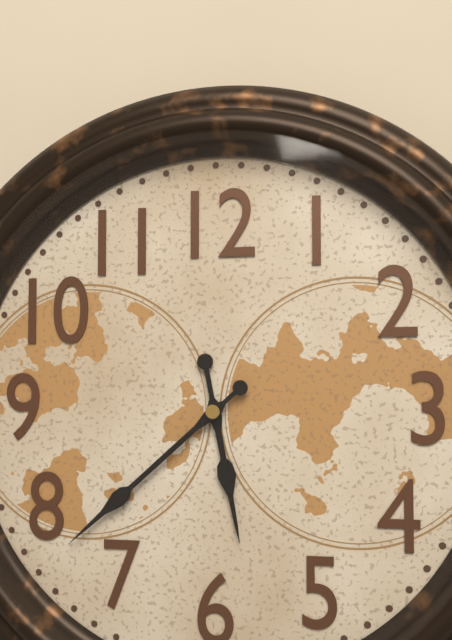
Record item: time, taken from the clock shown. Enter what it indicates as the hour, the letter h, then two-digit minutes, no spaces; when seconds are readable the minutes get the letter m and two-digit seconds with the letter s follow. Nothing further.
5h38
